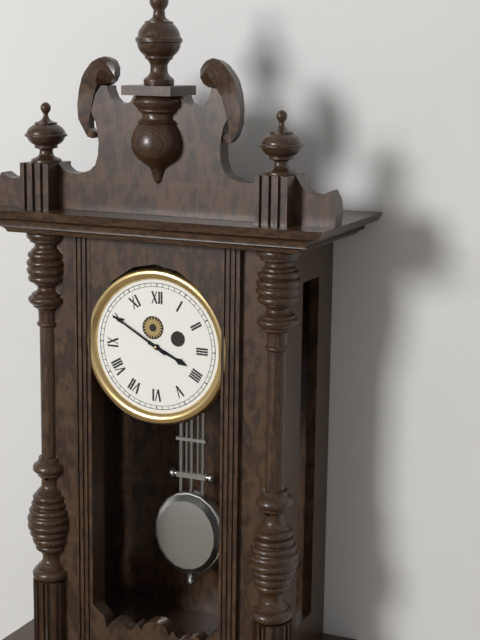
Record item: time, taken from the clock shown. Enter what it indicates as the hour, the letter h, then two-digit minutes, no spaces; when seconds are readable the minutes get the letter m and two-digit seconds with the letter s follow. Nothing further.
3h50
